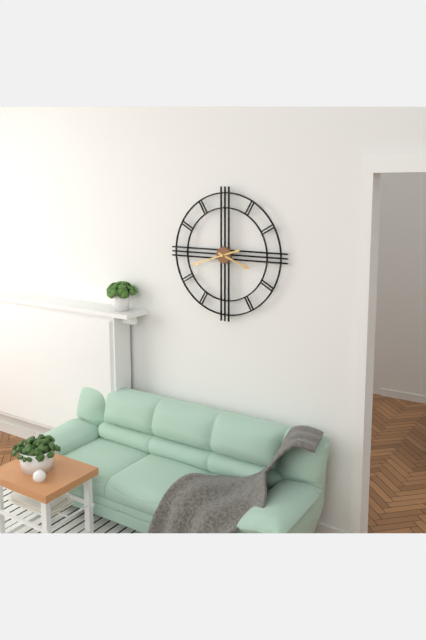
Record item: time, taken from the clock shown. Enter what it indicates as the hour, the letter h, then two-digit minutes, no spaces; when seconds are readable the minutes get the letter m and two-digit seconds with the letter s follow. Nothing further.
3h42
